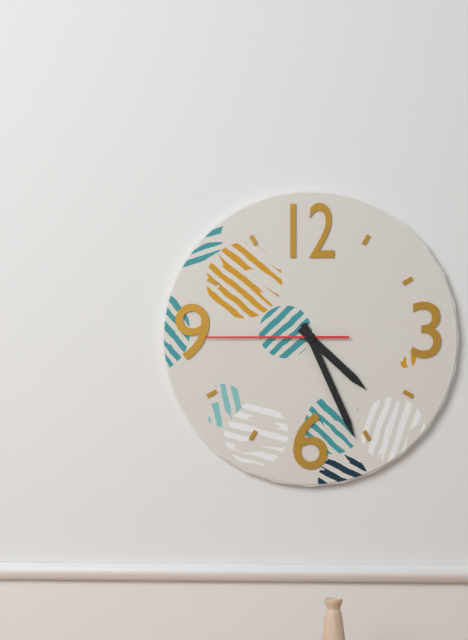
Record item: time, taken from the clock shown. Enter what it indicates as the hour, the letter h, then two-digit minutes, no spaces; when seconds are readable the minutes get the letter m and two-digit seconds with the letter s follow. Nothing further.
4h26m45s
